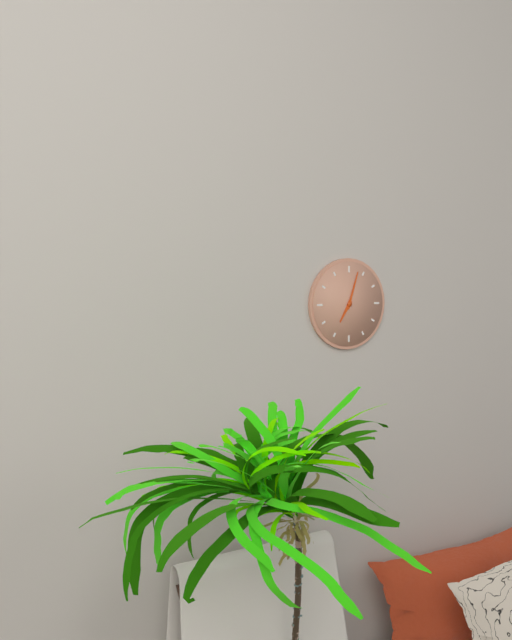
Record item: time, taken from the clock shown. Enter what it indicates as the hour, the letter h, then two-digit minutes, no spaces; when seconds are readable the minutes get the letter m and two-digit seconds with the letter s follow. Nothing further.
7h03
